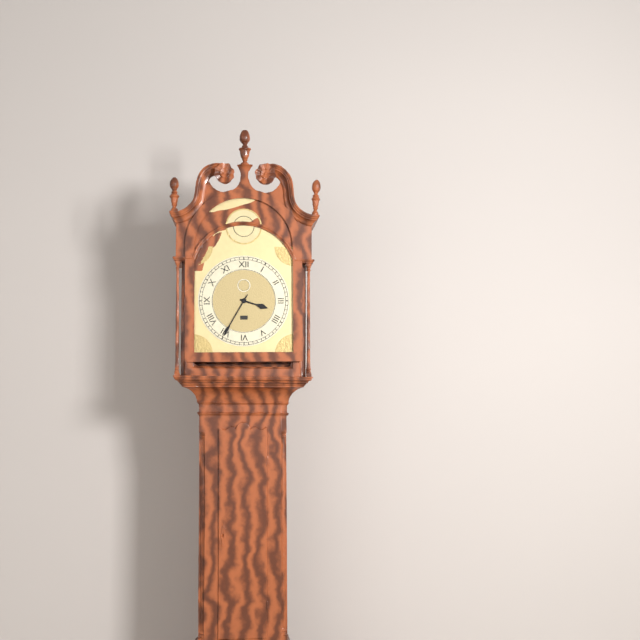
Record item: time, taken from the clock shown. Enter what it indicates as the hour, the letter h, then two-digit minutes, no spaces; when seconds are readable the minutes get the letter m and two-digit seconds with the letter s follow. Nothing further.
3h35
